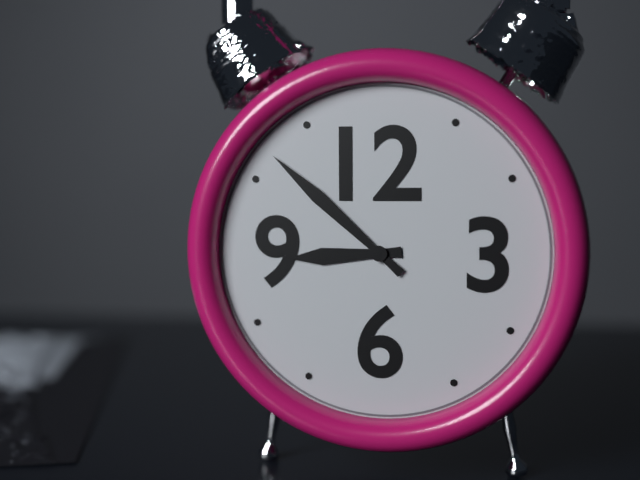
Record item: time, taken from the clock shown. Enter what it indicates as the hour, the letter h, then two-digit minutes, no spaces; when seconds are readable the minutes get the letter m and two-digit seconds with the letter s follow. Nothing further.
8h52
